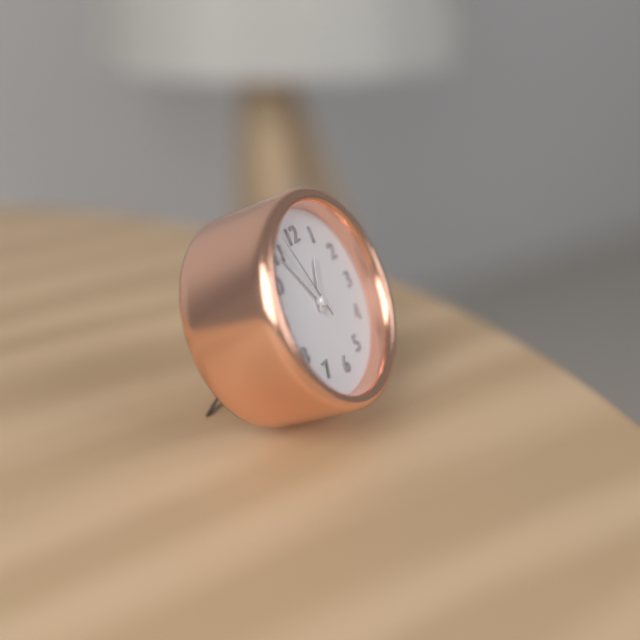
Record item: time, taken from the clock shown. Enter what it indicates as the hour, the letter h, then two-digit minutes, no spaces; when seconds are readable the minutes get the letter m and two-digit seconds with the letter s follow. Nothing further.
12h55m57s
